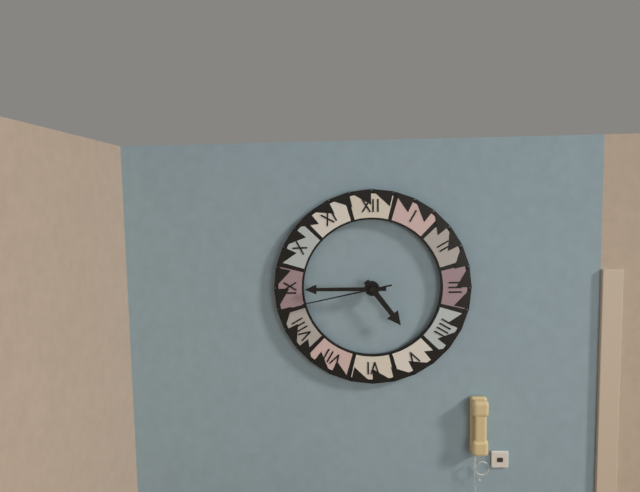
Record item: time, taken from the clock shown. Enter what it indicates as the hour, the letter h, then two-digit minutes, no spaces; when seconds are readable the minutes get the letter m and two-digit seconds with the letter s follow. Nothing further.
4h45m43s
